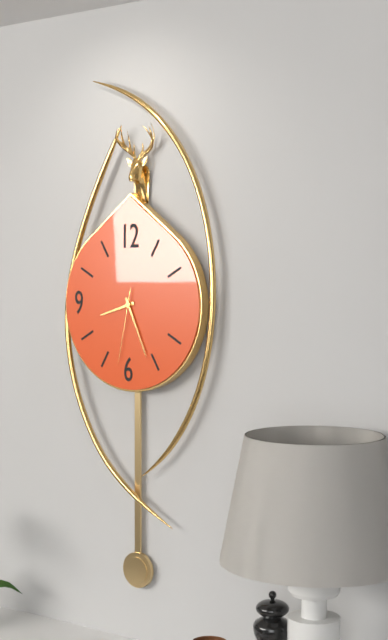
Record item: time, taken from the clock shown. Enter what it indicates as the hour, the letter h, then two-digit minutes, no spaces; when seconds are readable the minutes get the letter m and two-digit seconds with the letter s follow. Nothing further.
8h26m32s
